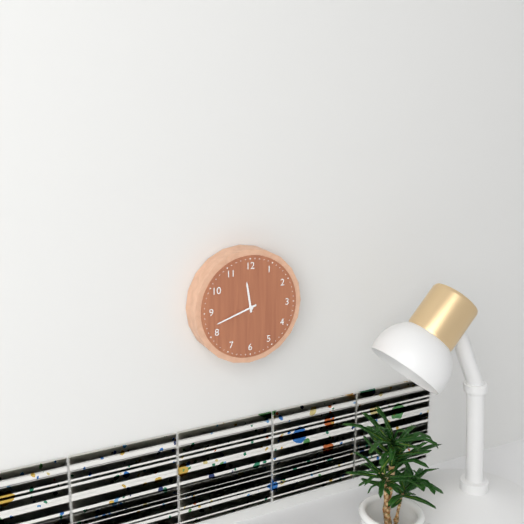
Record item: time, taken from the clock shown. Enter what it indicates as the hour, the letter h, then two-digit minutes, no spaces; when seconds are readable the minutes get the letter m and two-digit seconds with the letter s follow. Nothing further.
11h42
